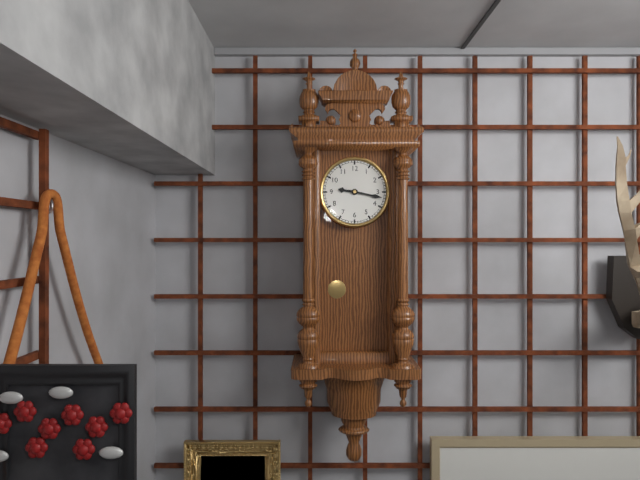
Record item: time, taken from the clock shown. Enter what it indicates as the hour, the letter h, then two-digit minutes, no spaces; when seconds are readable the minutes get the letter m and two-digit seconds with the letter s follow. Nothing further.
9h17
